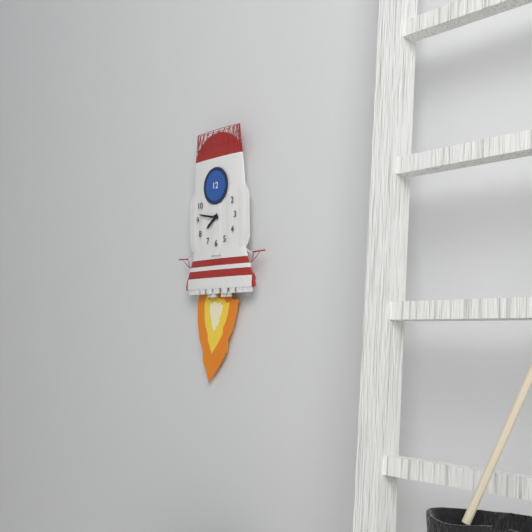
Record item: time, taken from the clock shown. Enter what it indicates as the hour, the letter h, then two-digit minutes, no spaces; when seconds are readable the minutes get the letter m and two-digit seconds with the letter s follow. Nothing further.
7h47
